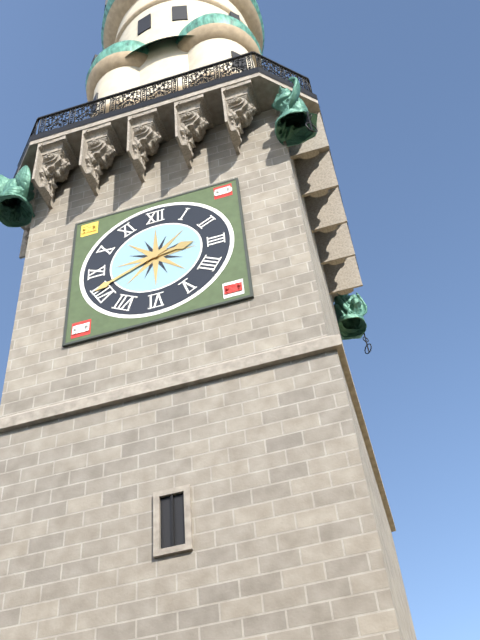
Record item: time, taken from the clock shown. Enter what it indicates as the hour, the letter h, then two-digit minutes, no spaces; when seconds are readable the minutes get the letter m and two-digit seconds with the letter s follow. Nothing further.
2h41
